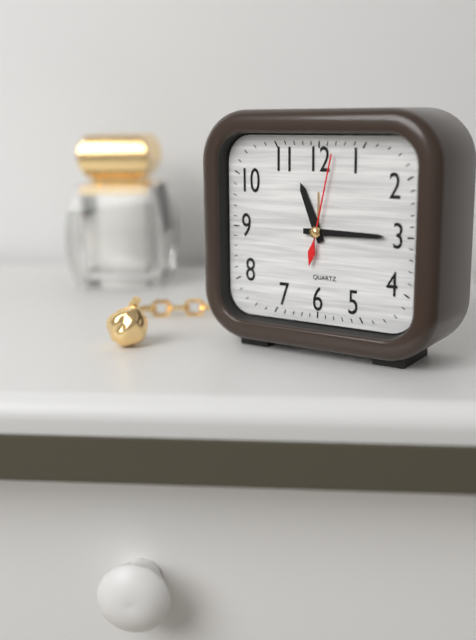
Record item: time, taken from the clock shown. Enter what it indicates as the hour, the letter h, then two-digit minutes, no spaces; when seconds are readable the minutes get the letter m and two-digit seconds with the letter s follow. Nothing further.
11h15m02s
